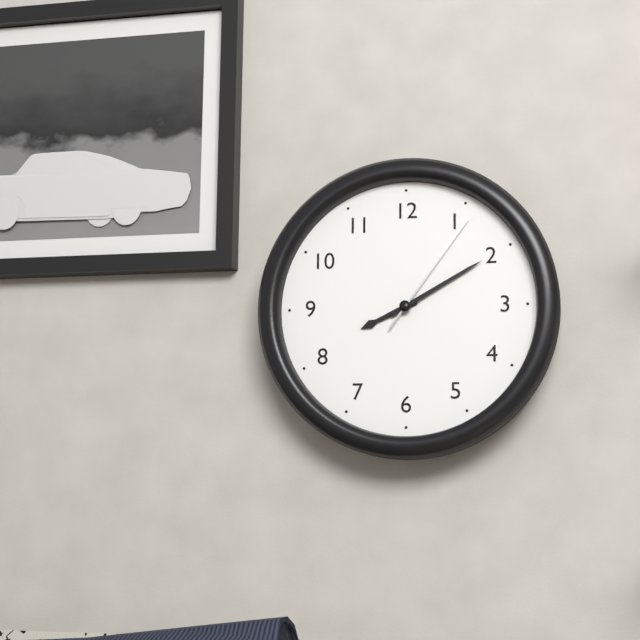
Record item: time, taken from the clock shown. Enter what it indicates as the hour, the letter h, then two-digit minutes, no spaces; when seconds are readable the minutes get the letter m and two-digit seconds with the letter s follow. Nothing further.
8h10m06s
